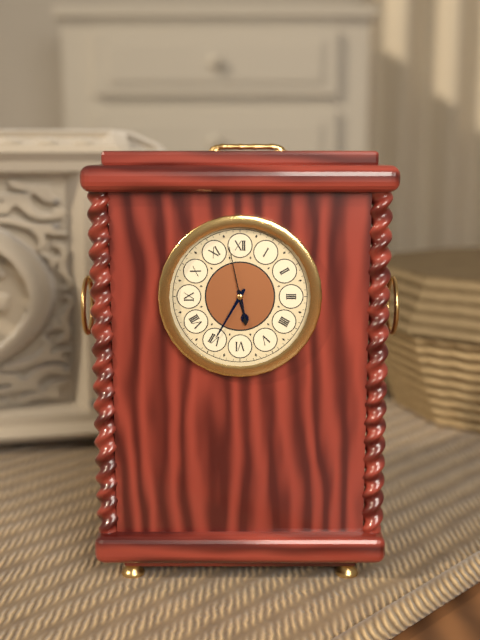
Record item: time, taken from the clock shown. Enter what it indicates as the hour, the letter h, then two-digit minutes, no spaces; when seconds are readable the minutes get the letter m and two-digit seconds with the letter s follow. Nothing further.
5h35m58s
